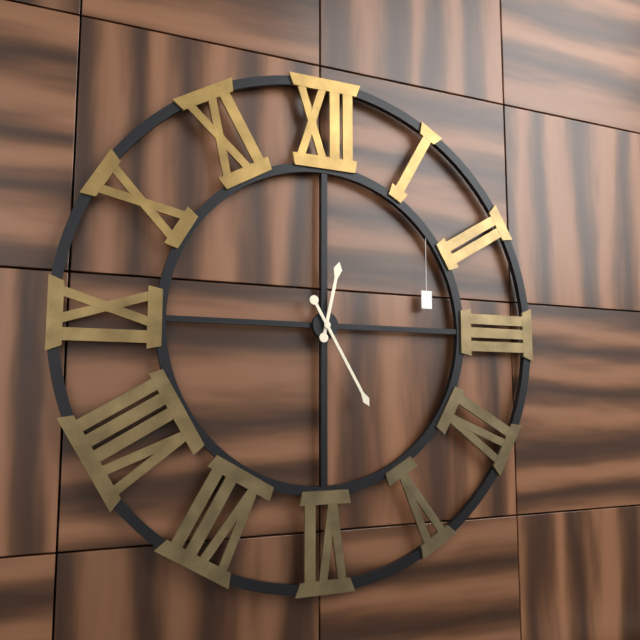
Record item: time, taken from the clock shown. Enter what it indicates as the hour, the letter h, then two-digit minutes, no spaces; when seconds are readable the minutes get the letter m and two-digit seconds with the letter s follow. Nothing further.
12h25
